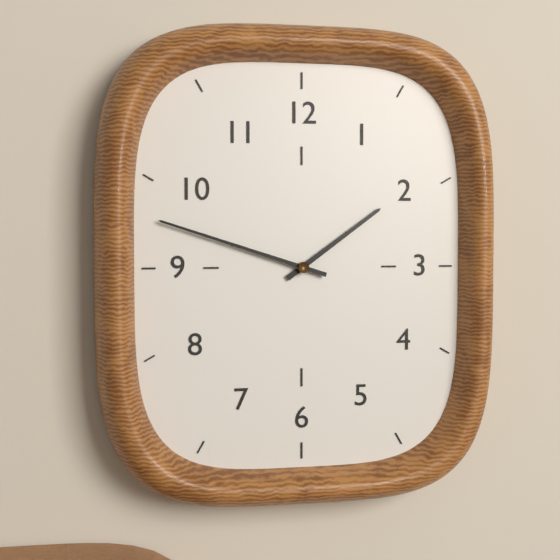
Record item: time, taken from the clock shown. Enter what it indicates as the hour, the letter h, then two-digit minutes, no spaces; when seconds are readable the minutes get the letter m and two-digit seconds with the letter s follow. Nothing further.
1h48
